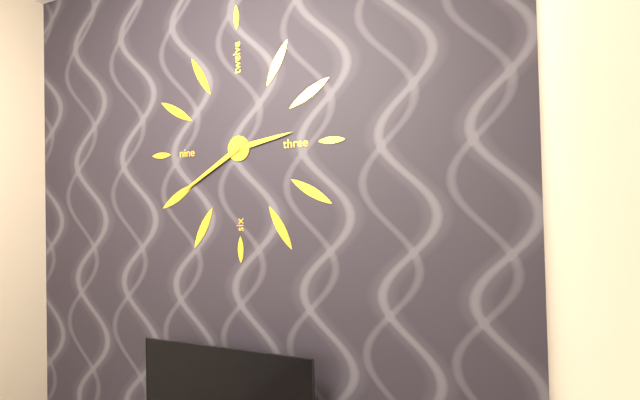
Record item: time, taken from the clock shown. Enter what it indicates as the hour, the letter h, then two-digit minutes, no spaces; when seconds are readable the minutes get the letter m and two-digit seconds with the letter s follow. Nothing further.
2h40
